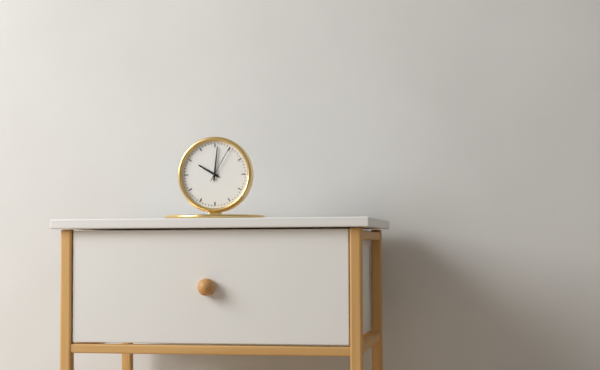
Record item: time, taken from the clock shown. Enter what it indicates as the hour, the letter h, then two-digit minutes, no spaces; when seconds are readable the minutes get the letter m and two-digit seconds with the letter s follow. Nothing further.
10h01
